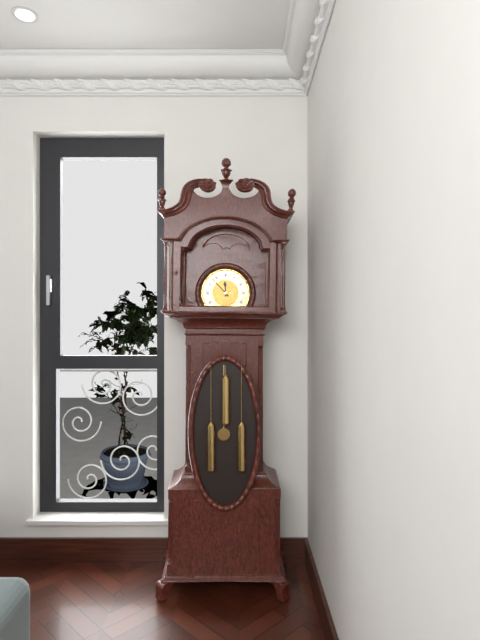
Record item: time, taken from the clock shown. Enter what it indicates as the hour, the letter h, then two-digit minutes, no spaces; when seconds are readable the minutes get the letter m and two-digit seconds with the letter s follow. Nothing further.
11h53
